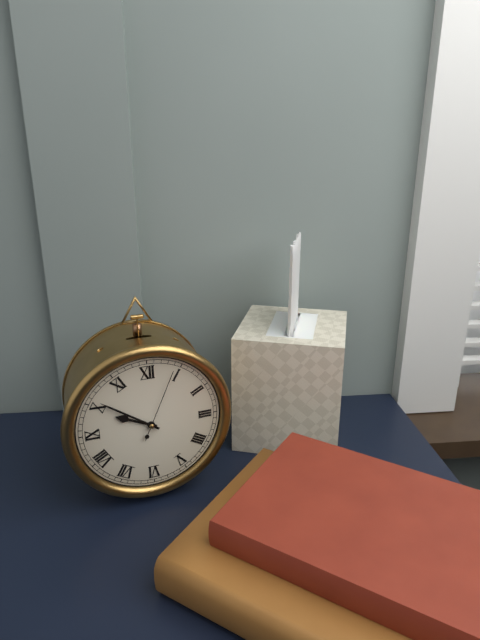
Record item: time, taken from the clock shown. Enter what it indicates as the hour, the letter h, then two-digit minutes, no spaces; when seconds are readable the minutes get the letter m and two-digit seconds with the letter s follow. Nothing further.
9h51m04s
